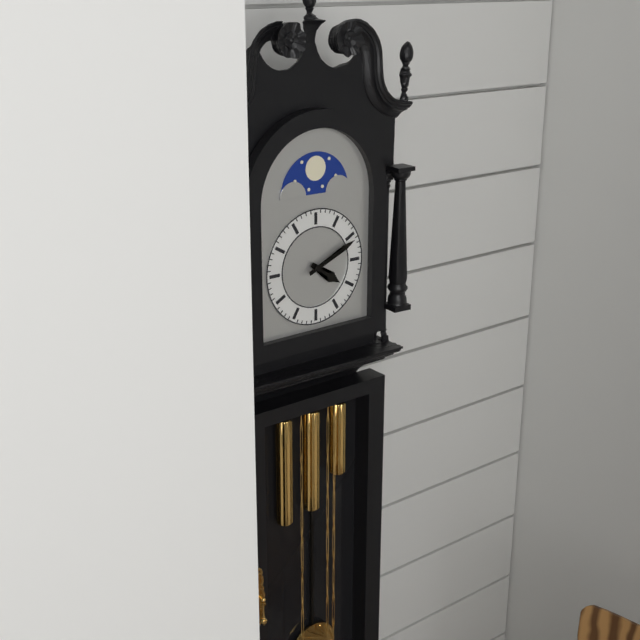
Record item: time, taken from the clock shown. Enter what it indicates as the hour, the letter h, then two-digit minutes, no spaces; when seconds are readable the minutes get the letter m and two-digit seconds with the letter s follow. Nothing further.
4h11
